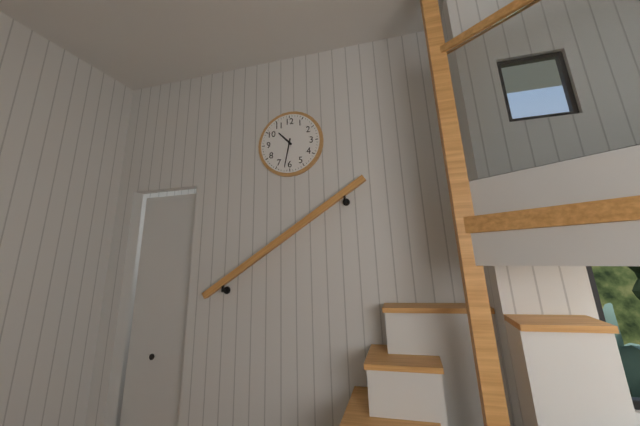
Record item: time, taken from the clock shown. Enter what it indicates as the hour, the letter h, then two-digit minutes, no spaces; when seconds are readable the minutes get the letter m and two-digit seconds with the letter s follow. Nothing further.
10h32
